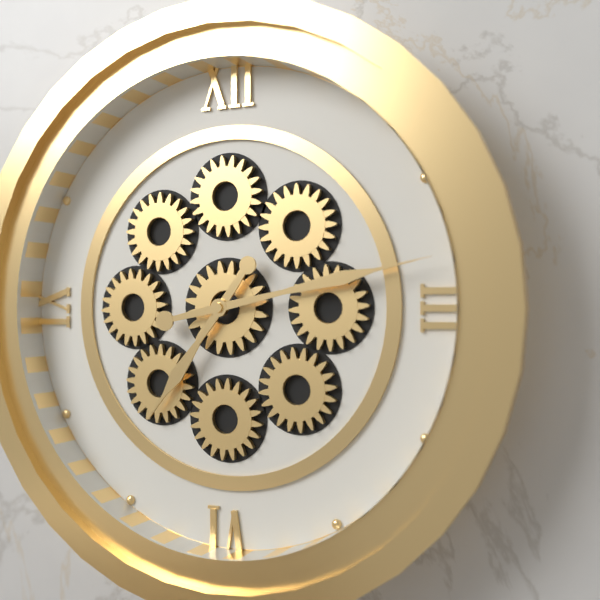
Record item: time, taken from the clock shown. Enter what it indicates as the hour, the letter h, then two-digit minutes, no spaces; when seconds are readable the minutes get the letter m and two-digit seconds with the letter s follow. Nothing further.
7h13
